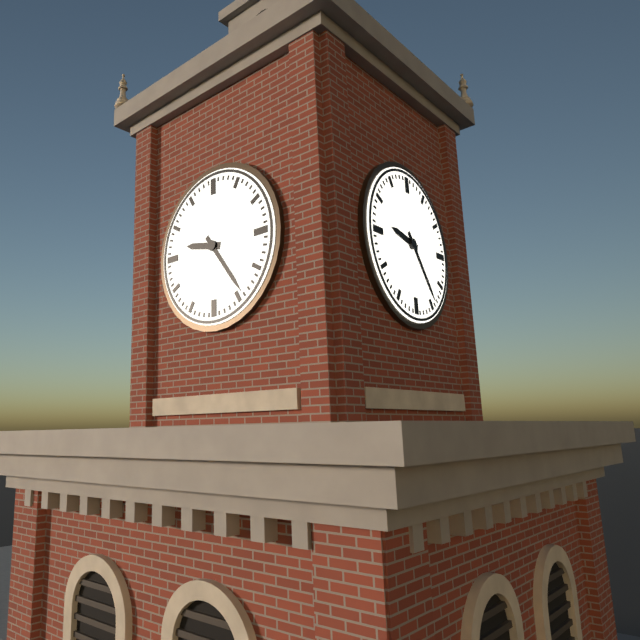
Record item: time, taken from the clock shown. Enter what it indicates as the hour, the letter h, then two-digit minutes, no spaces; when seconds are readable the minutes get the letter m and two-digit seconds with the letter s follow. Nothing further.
9h24
